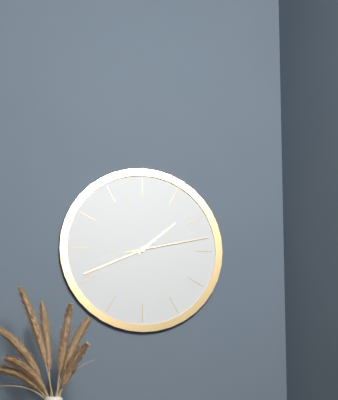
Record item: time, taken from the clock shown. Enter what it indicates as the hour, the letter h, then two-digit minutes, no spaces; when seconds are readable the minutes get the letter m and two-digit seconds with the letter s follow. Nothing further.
1h41m13s
